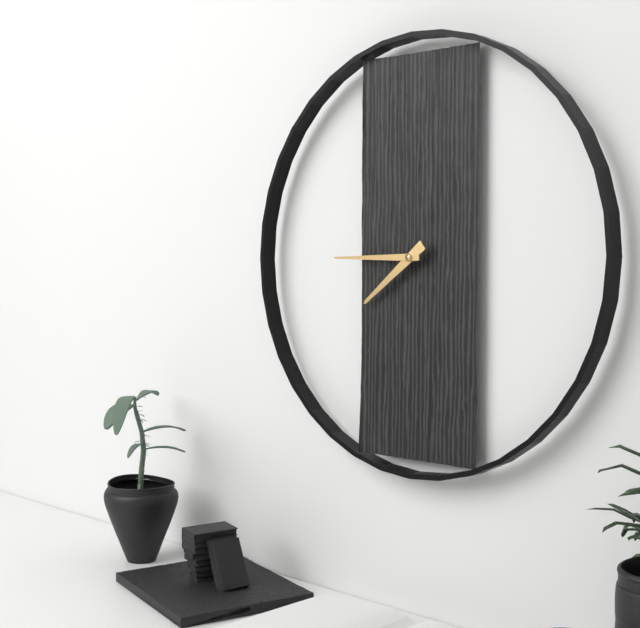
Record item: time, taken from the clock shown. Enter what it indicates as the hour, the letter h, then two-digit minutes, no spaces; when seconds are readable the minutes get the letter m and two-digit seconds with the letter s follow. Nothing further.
7h45
